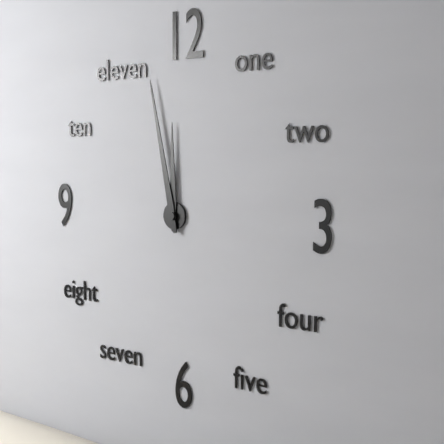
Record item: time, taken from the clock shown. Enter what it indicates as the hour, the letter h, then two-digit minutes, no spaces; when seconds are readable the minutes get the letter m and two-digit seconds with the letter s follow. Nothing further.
11h58
